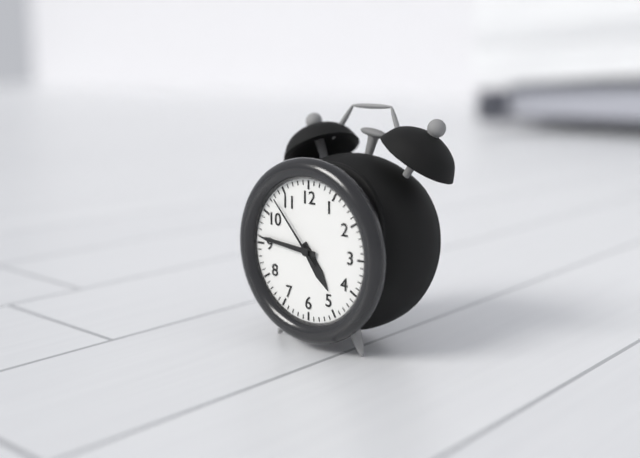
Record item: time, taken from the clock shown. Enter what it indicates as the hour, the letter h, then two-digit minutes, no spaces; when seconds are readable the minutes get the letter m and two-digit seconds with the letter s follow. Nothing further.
4h46m53s
